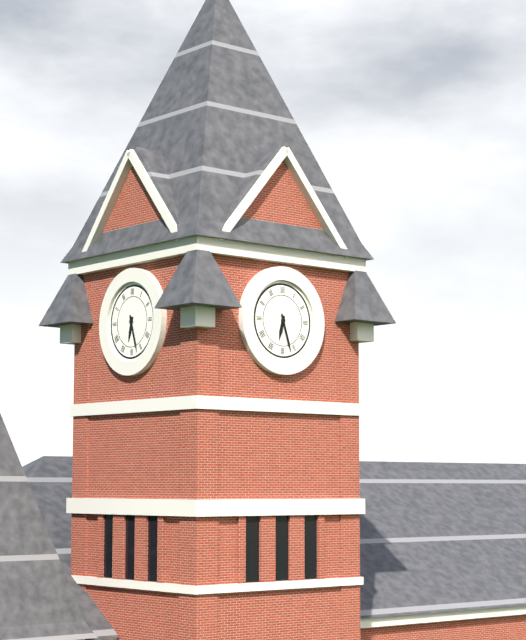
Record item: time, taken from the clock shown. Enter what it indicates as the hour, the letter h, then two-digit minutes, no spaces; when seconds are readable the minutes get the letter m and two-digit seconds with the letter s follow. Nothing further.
6h27
